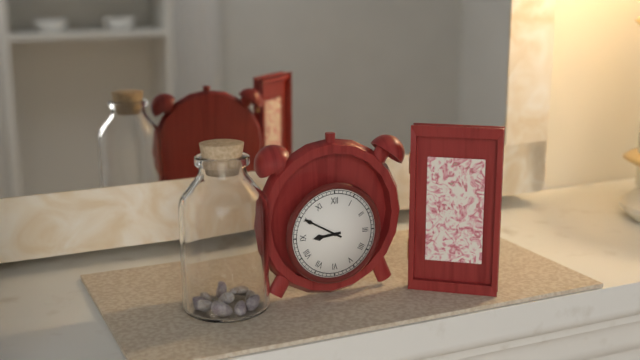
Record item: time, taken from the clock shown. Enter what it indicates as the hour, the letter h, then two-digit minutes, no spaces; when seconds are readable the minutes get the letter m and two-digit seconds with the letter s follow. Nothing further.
8h50
